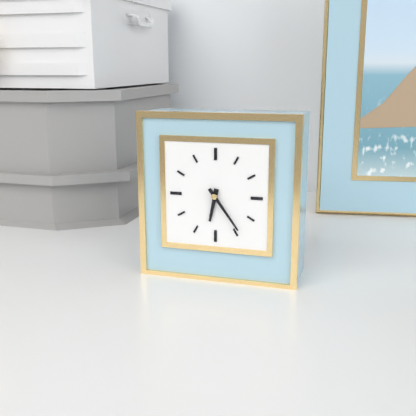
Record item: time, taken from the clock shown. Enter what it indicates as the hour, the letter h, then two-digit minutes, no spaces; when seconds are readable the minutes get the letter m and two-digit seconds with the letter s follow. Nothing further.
6h24
